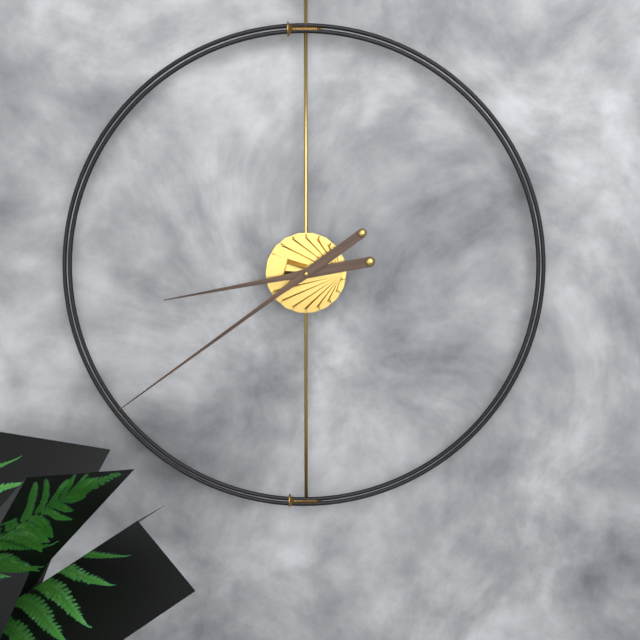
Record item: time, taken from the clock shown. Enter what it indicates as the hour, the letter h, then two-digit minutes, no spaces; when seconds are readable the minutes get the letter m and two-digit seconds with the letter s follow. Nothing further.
8h39
